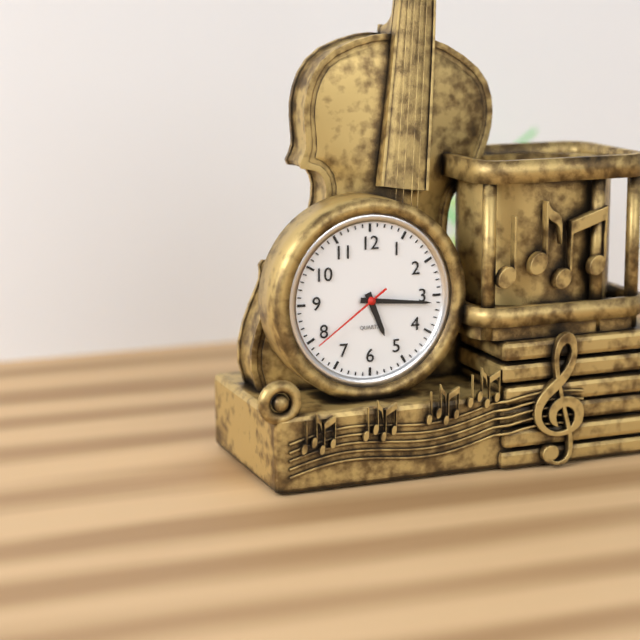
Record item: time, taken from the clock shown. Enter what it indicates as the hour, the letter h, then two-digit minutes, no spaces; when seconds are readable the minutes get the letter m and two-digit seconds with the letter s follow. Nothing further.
5h16m39s
